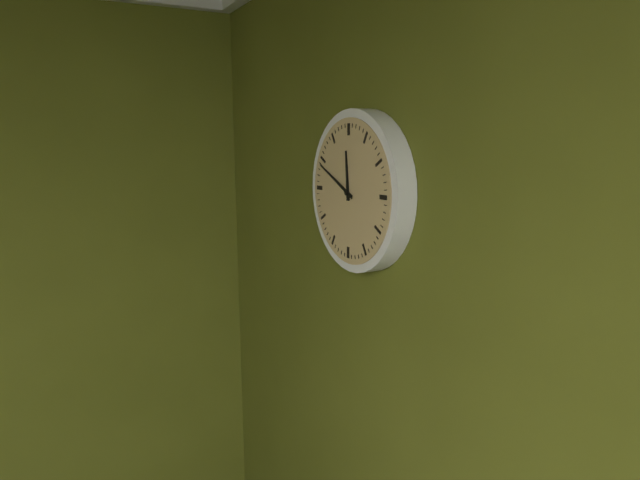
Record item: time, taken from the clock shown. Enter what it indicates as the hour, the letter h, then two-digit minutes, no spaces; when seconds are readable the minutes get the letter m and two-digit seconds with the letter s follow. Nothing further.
11h49
